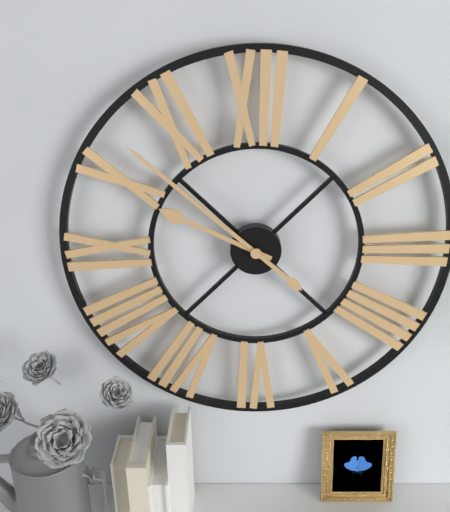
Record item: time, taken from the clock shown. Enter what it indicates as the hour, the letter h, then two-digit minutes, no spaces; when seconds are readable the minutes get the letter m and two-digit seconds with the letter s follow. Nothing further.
9h52
